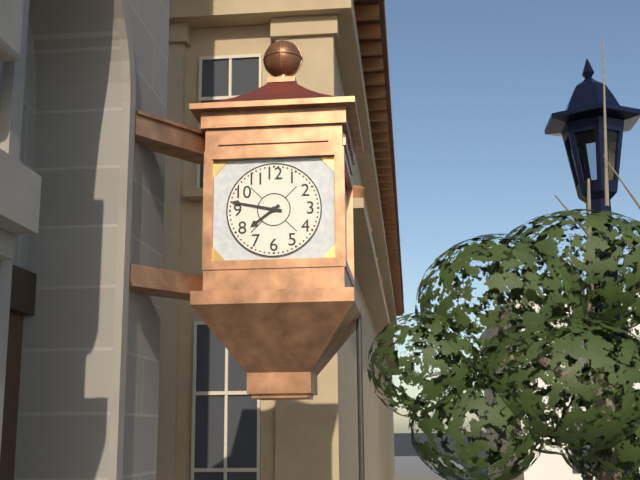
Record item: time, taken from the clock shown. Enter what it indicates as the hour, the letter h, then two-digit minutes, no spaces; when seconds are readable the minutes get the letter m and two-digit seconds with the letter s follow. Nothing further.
7h47
